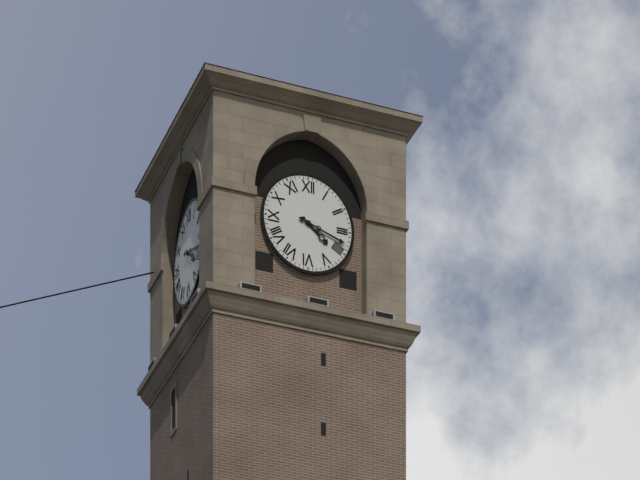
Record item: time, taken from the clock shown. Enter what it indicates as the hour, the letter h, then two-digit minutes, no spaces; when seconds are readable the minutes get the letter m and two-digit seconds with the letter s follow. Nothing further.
4h18
